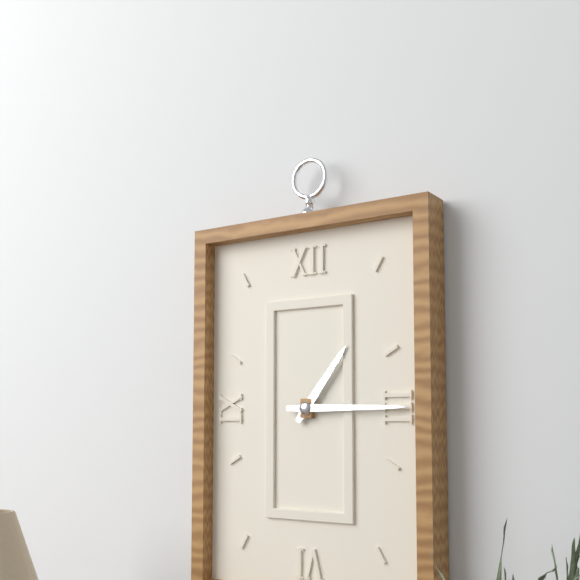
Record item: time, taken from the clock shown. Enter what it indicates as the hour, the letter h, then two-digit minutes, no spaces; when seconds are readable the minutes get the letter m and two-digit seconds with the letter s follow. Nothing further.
1h15
